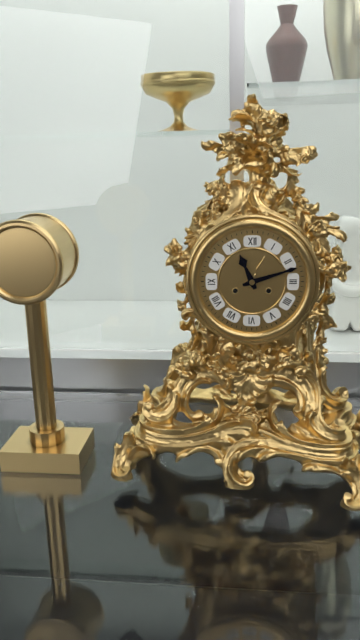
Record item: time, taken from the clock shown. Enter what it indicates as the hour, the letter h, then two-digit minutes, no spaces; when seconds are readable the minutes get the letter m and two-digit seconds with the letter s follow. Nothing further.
11h12
